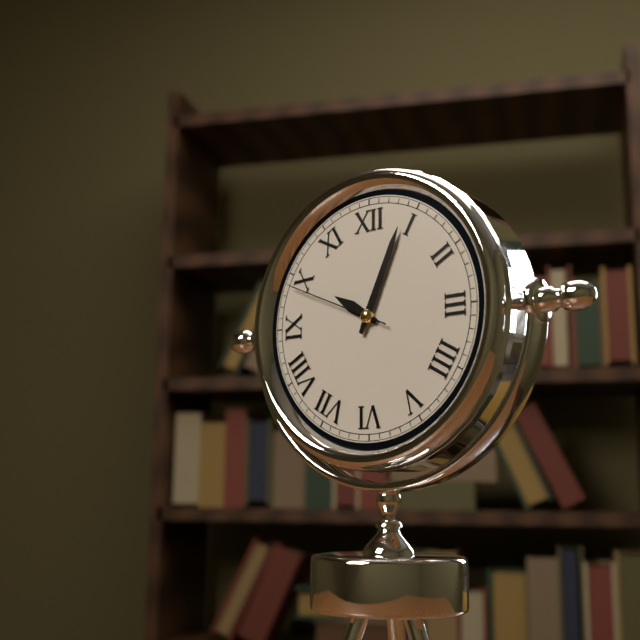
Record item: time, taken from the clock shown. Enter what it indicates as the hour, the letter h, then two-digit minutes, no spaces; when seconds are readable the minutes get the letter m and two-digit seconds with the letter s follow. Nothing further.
10h04m49s
